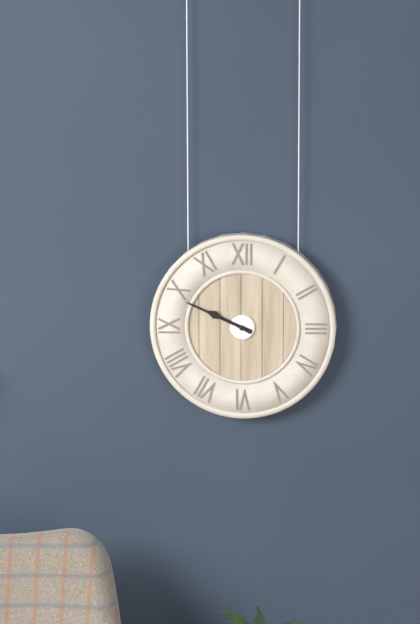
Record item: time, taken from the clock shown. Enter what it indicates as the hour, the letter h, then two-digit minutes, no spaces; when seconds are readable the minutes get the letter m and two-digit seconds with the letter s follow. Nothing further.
9h49
